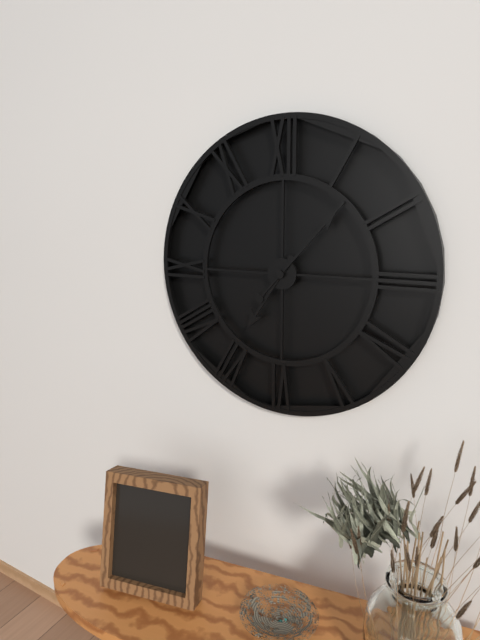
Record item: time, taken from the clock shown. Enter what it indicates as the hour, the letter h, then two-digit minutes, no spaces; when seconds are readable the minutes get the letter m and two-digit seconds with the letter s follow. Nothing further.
7h07
